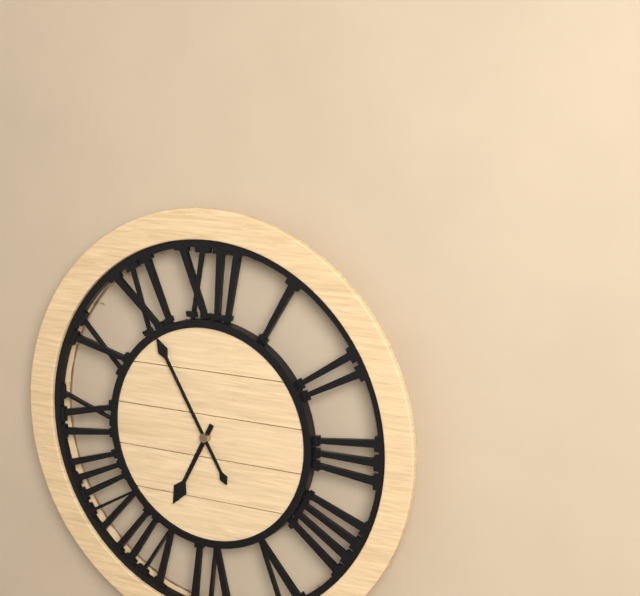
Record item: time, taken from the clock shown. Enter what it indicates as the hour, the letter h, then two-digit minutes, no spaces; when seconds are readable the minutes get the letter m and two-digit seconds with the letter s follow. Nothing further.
6h55
